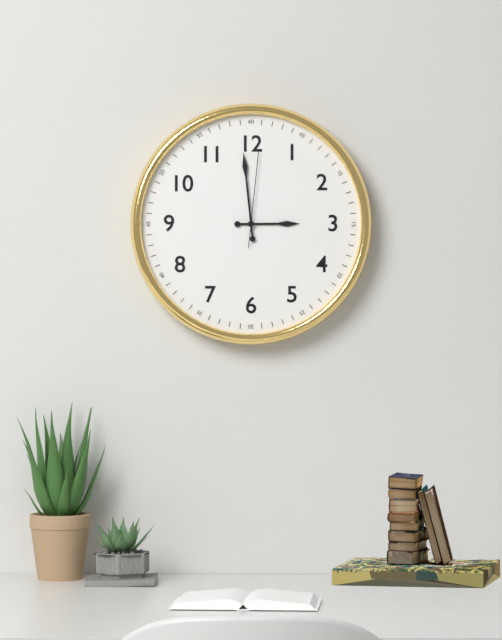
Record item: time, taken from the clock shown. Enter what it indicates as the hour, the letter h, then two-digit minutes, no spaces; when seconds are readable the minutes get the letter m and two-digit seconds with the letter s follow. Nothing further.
2h59m01s
